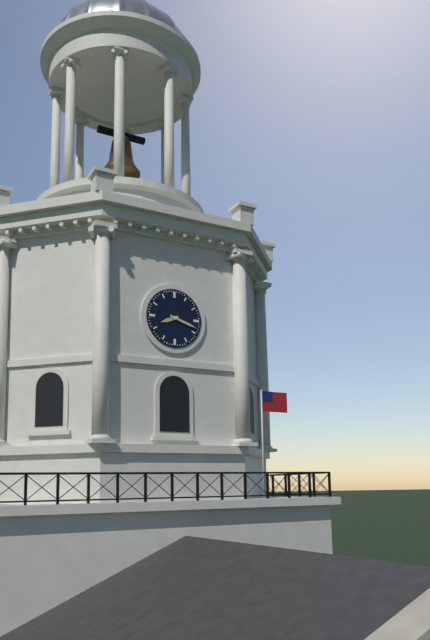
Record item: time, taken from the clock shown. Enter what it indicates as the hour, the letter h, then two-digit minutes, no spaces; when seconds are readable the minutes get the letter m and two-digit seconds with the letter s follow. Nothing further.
8h18
